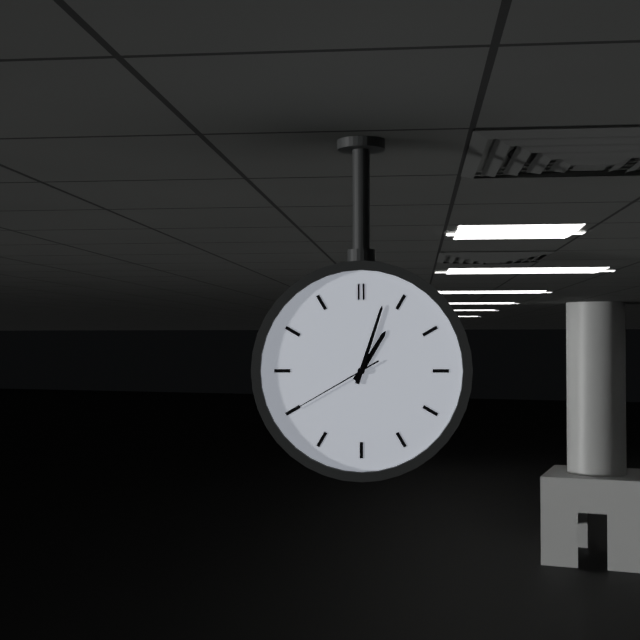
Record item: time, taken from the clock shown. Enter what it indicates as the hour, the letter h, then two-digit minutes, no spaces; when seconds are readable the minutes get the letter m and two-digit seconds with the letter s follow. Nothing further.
1h03m40s
